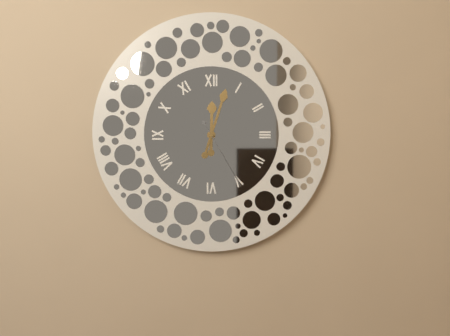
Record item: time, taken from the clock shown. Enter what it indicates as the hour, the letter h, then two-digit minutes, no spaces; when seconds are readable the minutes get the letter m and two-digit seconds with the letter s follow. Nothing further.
12h03m25s
